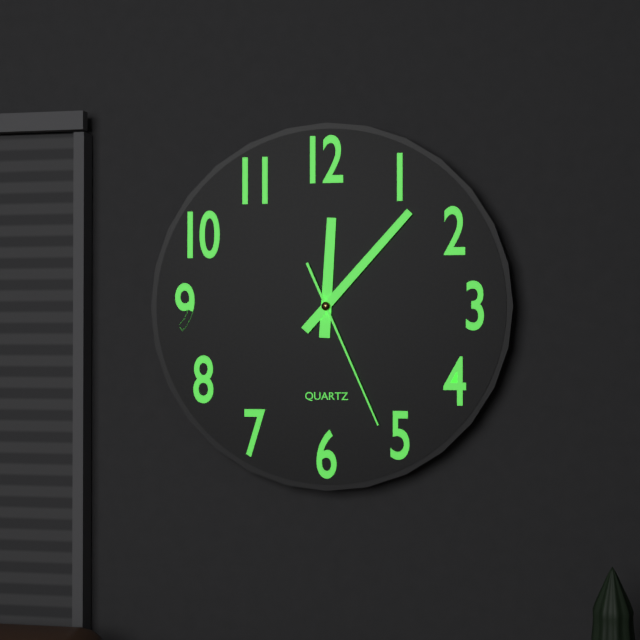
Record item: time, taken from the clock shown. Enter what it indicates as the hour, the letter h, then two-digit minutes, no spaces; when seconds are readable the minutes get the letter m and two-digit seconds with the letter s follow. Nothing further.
12h07m26s
